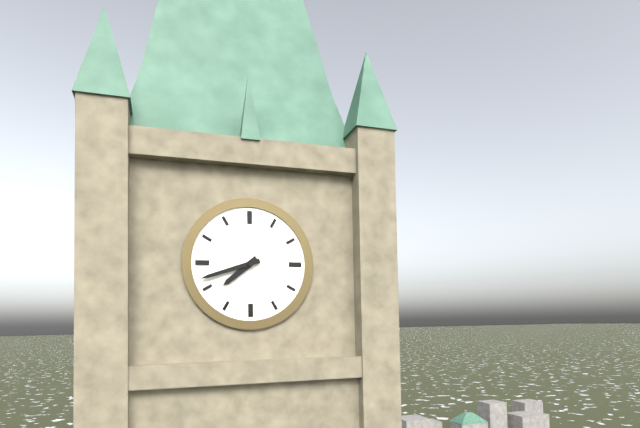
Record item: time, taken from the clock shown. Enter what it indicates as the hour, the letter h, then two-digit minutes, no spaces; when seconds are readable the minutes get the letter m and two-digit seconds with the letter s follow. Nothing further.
7h42
